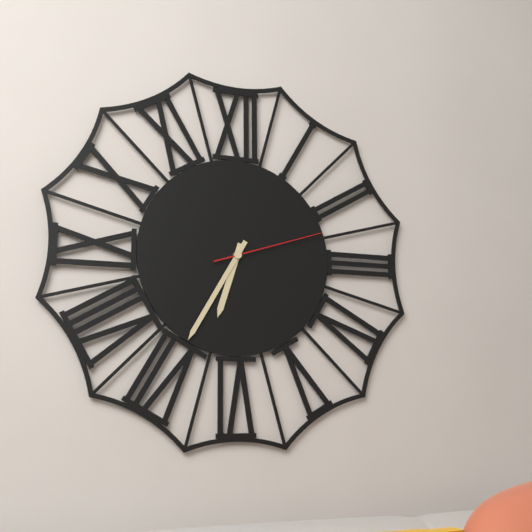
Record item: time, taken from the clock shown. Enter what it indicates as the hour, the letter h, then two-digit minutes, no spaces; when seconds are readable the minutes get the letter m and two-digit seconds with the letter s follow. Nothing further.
6h35m12s
